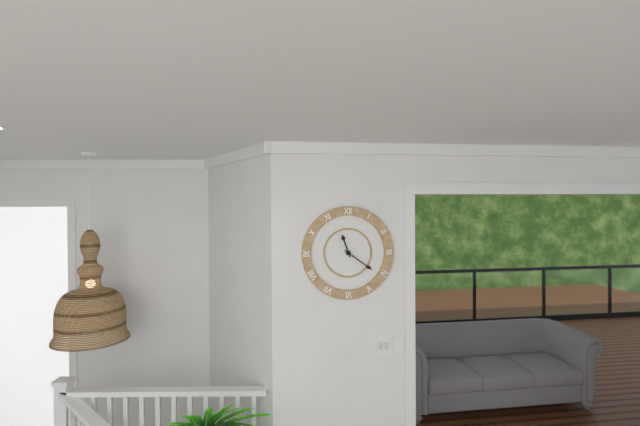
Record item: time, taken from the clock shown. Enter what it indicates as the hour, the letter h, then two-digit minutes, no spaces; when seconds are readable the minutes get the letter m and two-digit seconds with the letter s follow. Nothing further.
11h21
